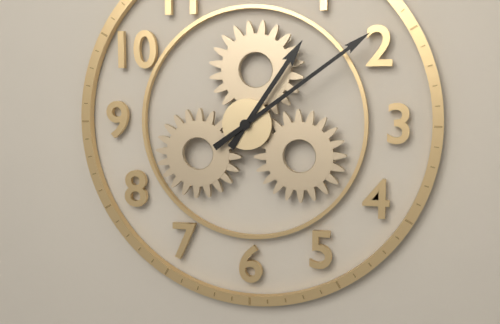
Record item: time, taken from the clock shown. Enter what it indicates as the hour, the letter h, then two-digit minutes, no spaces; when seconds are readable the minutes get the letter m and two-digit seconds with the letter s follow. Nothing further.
1h09
